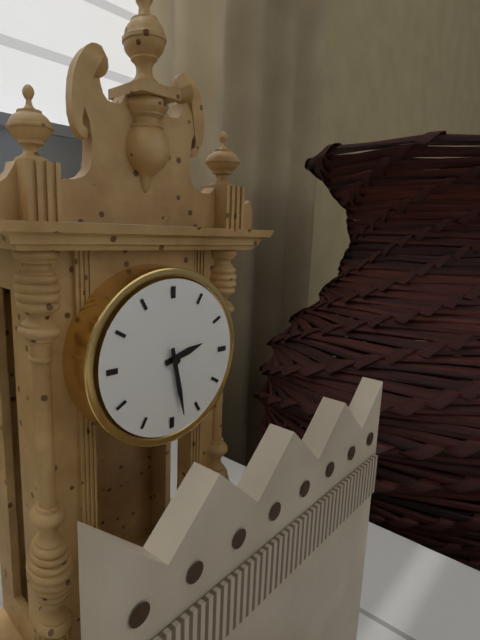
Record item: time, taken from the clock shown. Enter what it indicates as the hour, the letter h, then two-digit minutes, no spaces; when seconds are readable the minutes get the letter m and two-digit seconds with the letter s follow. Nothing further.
2h28
